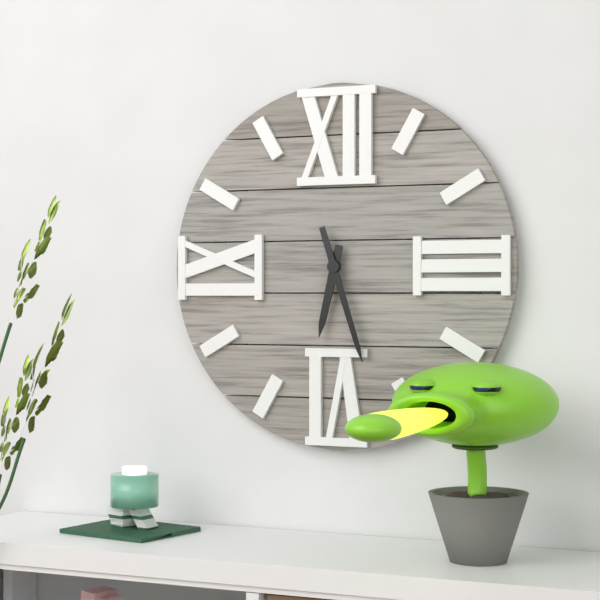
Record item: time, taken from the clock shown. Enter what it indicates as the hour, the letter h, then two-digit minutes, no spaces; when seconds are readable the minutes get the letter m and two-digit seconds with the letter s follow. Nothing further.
6h27
